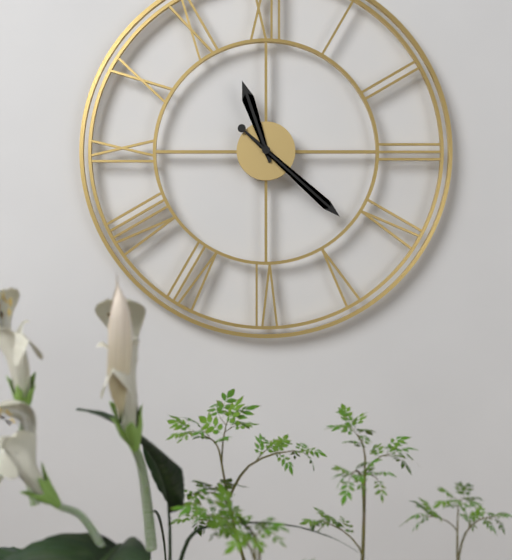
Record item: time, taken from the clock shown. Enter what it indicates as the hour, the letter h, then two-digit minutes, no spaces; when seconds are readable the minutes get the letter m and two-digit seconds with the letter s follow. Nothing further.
11h22
